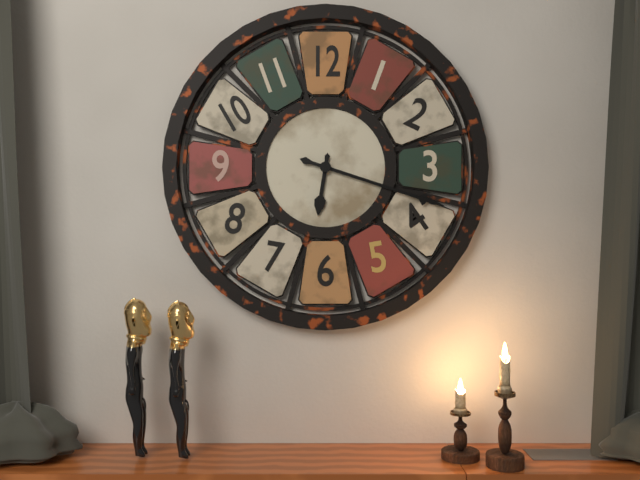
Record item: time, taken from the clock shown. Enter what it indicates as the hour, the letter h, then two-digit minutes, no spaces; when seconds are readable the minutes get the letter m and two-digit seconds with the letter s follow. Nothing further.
6h18
